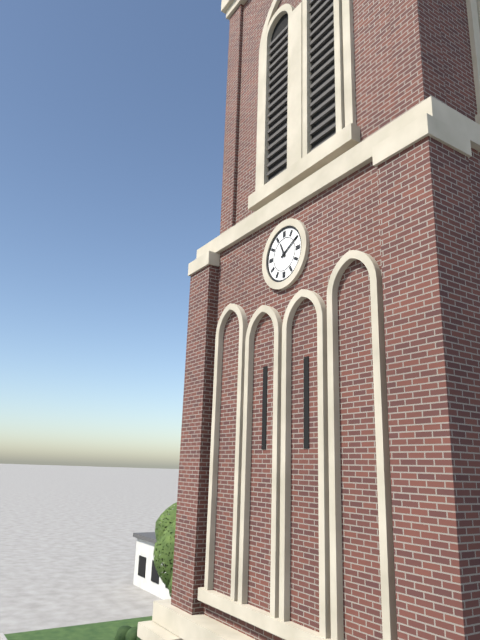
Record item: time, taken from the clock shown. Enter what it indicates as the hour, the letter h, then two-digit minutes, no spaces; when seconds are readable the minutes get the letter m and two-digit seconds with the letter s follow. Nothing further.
11h10
